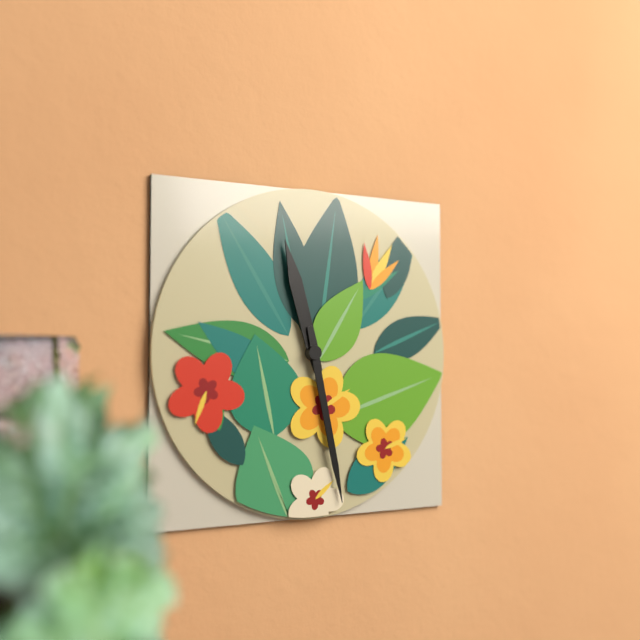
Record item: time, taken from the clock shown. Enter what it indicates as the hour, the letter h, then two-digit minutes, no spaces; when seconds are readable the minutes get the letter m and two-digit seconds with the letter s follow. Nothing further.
11h28
